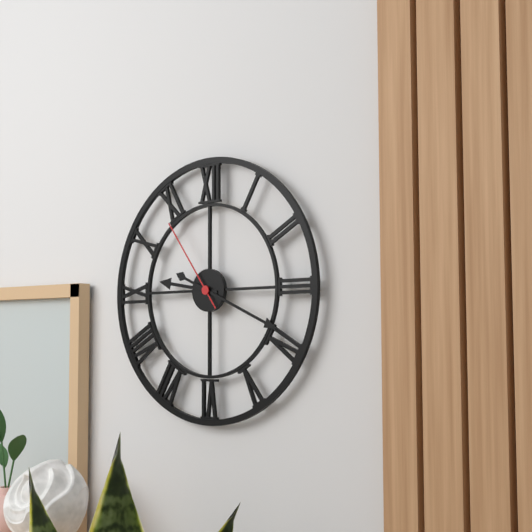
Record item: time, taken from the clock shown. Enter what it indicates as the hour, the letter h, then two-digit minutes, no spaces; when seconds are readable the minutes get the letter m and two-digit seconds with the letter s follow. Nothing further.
9h19m54s
